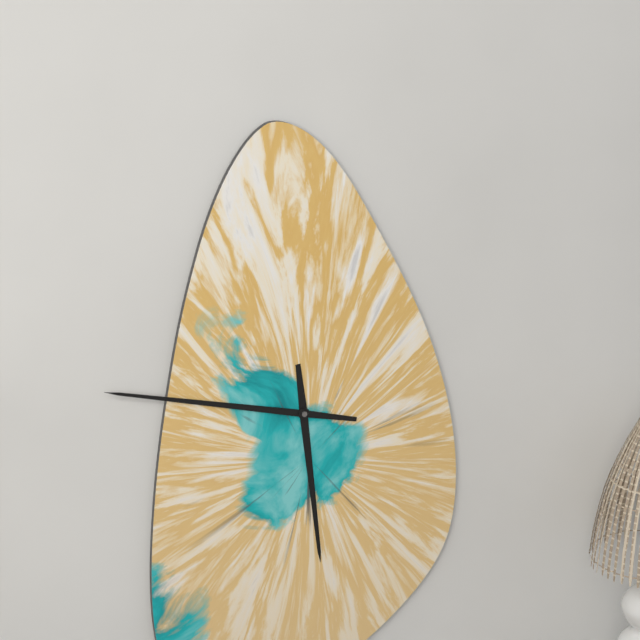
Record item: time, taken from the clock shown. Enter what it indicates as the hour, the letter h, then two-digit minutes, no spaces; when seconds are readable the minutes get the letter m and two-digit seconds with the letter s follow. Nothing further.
5h47
